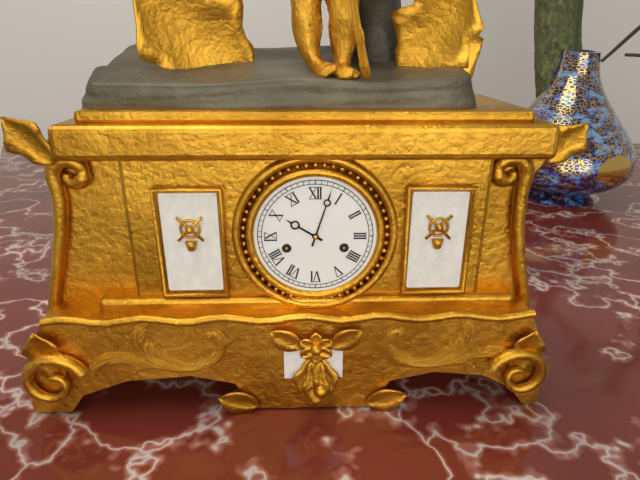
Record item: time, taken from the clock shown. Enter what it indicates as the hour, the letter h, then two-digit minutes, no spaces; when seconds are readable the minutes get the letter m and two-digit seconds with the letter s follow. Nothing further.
10h03
